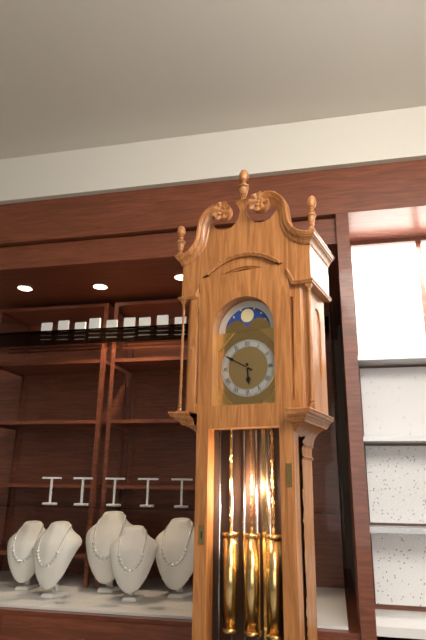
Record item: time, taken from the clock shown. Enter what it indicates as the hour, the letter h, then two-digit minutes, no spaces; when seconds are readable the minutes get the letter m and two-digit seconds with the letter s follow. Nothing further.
5h50
